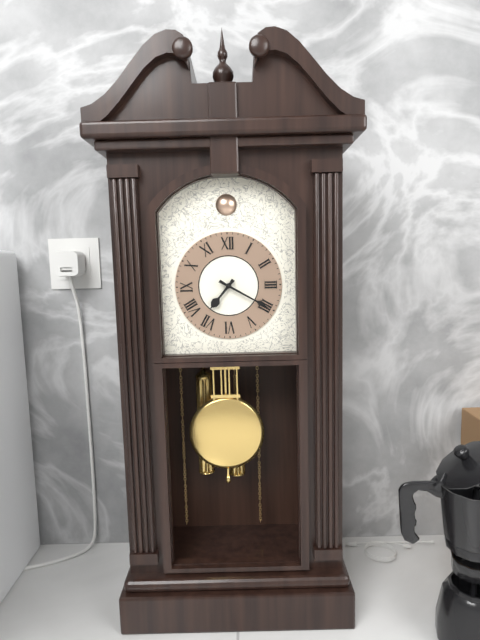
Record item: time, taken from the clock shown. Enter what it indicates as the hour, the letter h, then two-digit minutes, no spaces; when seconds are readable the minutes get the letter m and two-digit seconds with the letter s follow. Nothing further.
7h20
